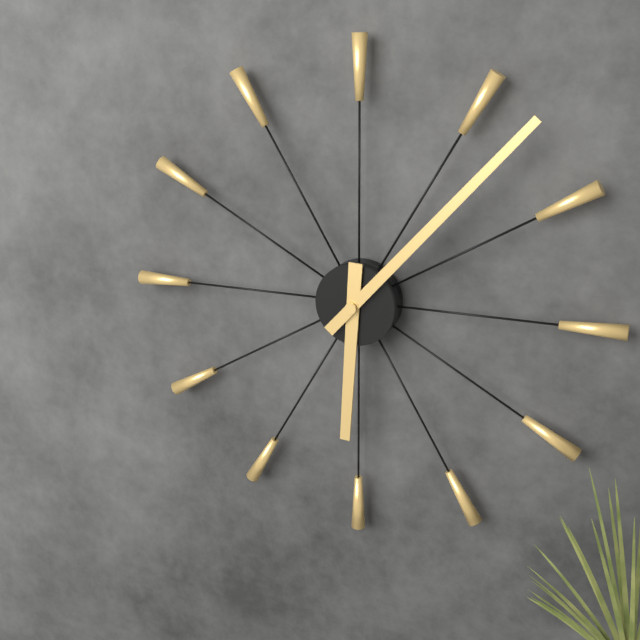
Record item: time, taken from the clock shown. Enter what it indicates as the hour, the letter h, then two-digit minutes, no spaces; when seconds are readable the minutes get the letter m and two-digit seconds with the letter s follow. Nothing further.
6h07
